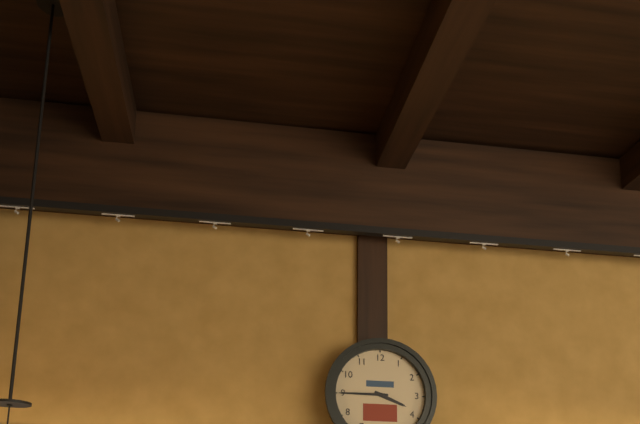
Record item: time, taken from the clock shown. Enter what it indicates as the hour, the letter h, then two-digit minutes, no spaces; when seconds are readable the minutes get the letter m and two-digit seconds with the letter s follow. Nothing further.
3h45
